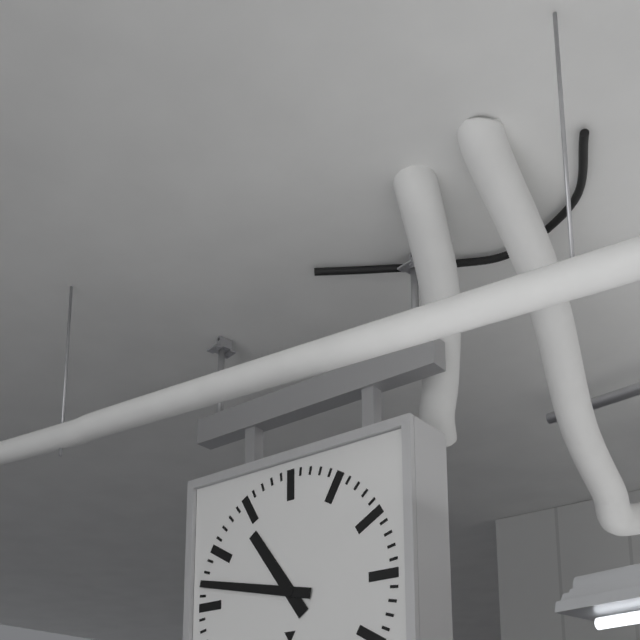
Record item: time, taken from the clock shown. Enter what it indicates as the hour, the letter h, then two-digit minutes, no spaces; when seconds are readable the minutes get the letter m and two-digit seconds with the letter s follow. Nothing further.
10h47
